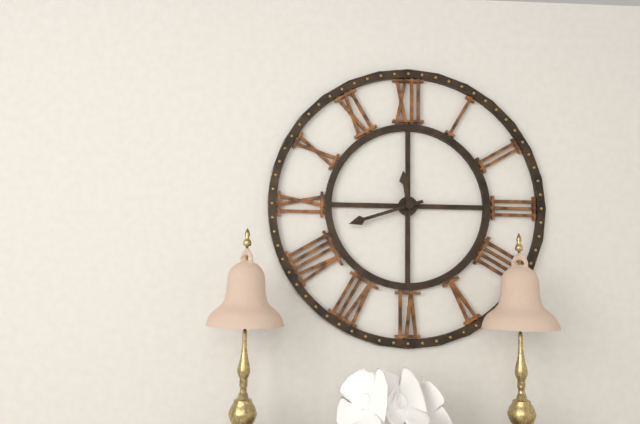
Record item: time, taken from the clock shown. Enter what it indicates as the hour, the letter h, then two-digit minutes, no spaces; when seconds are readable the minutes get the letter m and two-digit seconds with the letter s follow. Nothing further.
11h42
